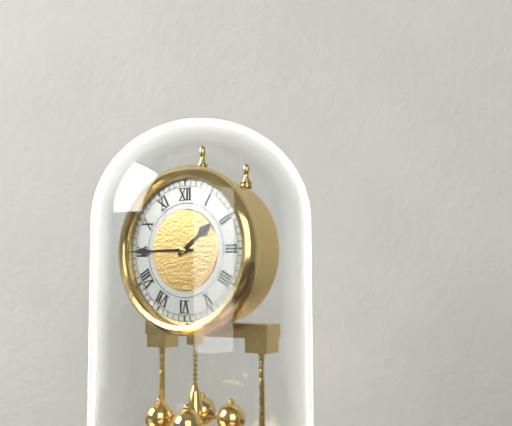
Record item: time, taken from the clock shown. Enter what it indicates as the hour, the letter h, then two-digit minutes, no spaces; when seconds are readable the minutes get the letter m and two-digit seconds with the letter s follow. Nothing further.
1h45
